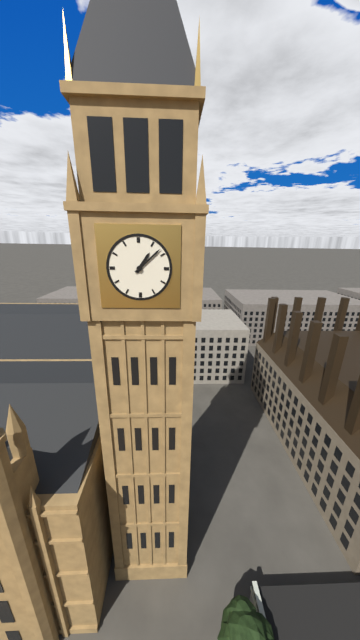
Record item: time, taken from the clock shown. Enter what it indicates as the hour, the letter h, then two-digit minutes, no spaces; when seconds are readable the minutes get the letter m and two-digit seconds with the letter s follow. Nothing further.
1h08
